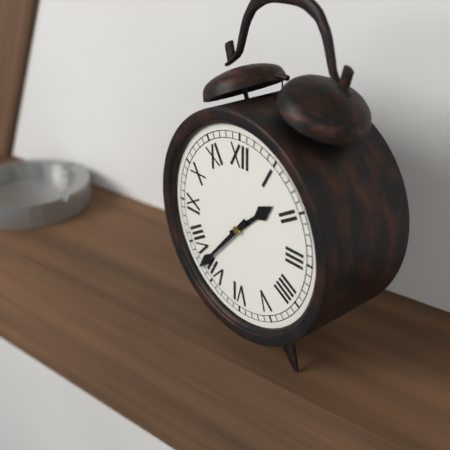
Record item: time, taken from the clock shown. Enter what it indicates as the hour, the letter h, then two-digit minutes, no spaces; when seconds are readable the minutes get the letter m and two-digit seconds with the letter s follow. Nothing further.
1h37
